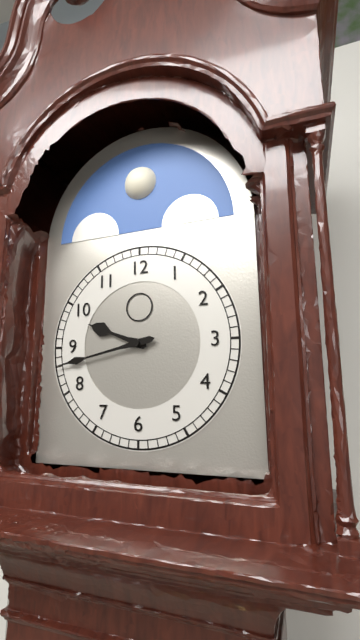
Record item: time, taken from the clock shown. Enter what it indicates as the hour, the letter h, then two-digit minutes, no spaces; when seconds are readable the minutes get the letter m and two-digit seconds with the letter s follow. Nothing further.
9h43
